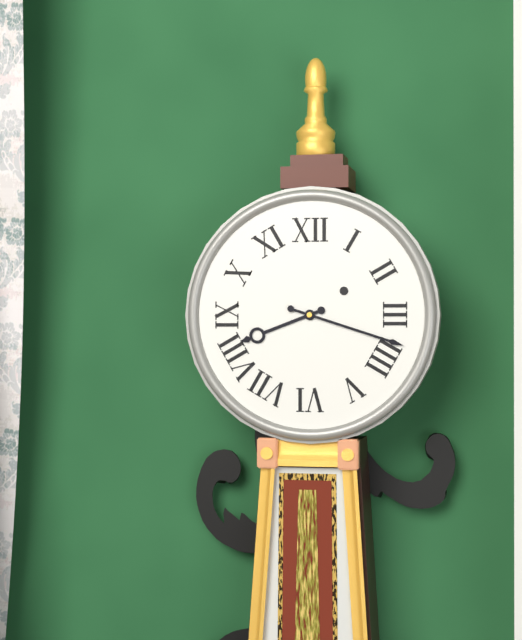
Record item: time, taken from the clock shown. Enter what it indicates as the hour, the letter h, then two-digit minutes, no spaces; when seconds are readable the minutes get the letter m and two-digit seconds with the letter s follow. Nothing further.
8h18
